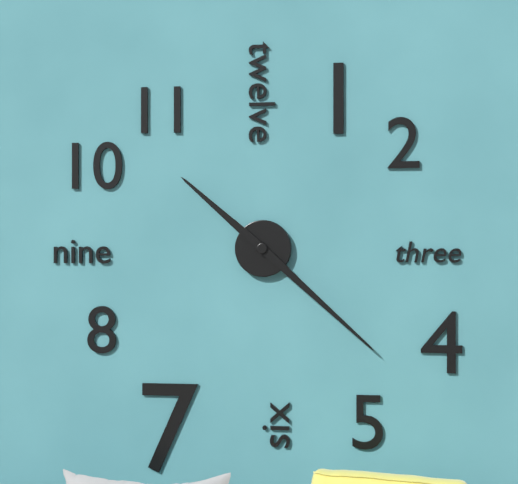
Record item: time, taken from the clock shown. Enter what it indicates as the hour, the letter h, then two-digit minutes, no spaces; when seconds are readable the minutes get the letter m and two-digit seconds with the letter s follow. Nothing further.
10h22
